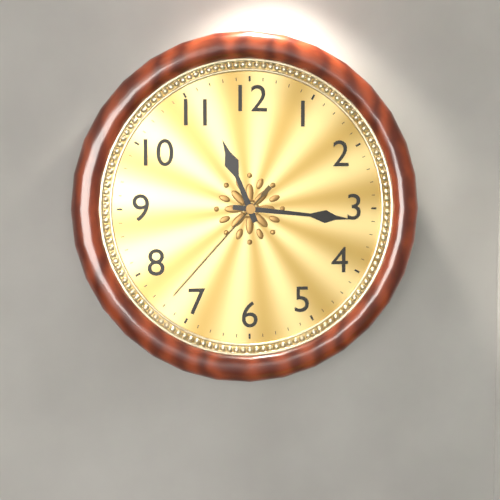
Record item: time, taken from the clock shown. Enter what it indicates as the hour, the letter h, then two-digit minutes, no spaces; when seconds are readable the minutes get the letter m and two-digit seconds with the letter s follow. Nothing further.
11h16m37s
